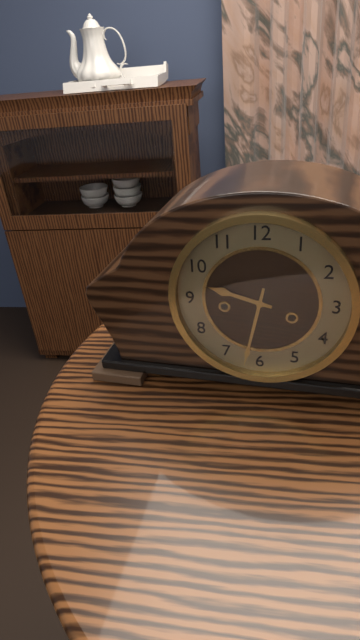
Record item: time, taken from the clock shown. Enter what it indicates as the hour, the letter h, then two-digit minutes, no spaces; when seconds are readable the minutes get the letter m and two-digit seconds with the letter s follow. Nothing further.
9h32
